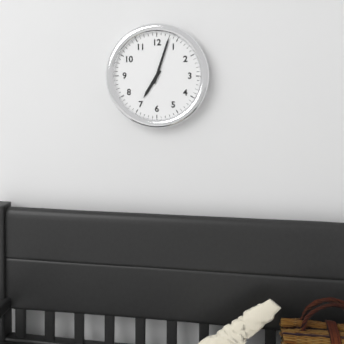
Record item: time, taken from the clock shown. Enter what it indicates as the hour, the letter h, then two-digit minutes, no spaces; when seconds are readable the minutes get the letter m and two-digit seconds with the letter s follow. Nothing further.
7h03
